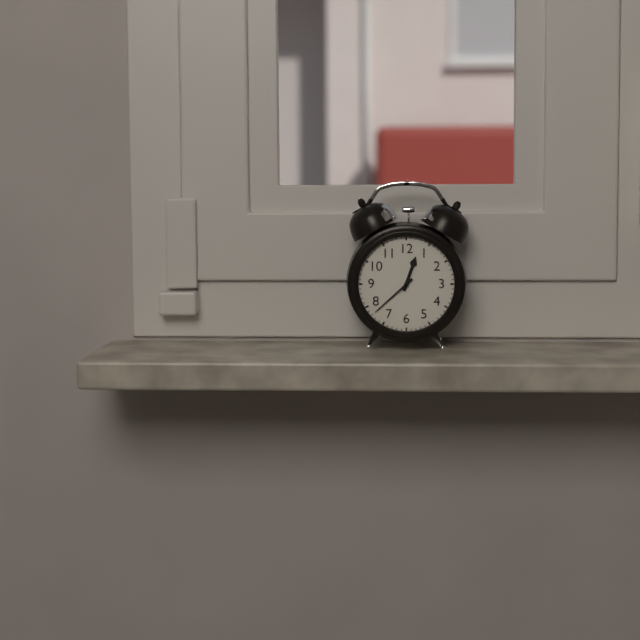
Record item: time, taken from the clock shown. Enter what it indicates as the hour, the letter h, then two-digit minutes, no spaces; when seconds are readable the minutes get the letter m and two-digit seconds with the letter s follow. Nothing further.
12h38
